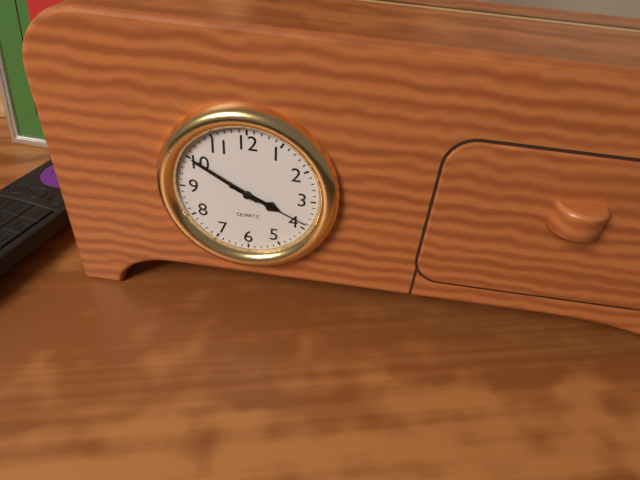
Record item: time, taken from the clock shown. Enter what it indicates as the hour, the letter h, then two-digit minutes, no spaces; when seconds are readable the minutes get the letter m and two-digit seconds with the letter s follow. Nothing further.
3h50m19s
